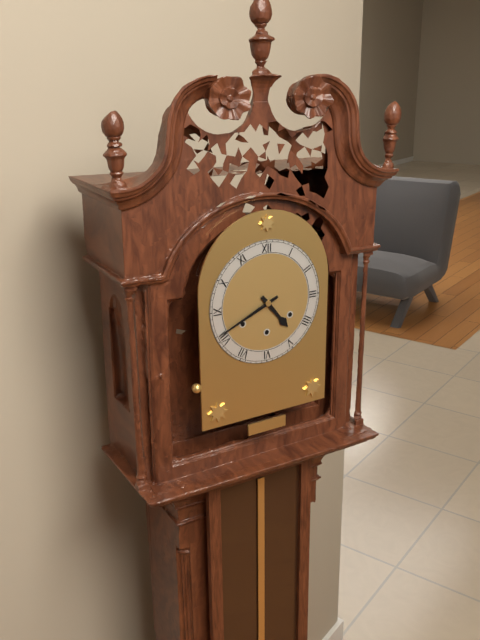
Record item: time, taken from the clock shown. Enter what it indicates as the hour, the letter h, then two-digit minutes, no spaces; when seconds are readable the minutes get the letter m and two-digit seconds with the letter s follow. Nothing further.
4h41
